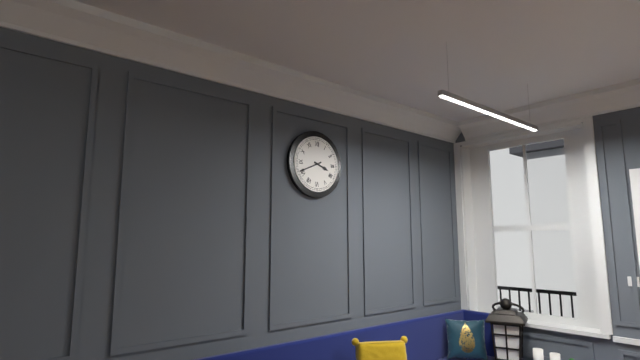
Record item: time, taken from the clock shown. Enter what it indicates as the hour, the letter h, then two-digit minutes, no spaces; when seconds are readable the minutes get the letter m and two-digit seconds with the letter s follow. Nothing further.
3h41
